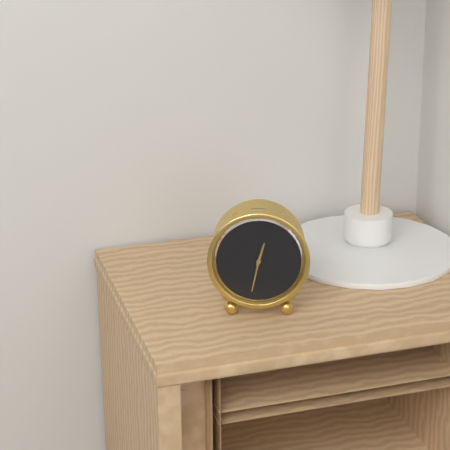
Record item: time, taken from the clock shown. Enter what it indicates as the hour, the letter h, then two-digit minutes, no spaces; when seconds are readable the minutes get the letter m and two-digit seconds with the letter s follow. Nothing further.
12h32
